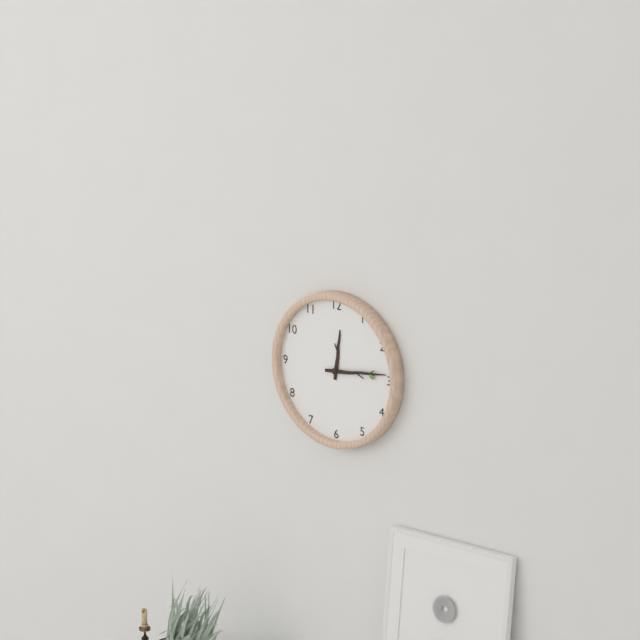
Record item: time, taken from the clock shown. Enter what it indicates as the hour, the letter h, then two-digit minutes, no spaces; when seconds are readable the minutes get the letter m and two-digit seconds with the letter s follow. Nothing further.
12h14
